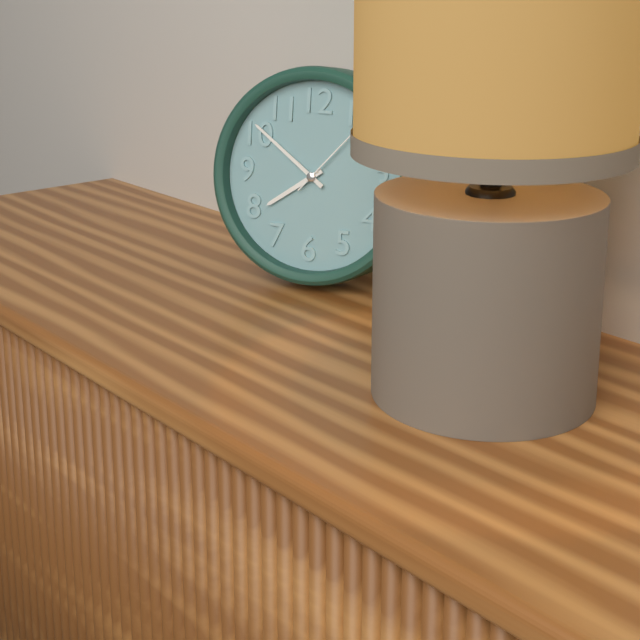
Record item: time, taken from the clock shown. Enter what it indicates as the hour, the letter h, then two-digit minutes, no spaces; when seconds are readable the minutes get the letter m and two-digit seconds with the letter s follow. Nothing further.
7h51
